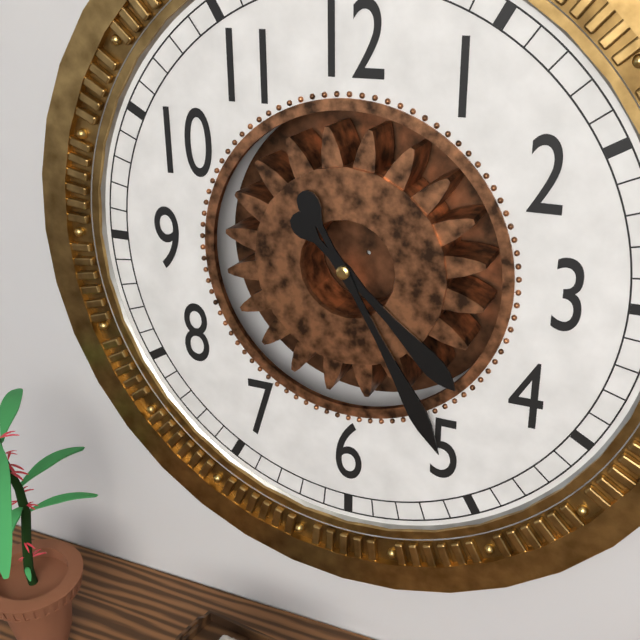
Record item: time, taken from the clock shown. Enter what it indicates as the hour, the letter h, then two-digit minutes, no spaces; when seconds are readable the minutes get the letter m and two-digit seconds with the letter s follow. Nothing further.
4h25
